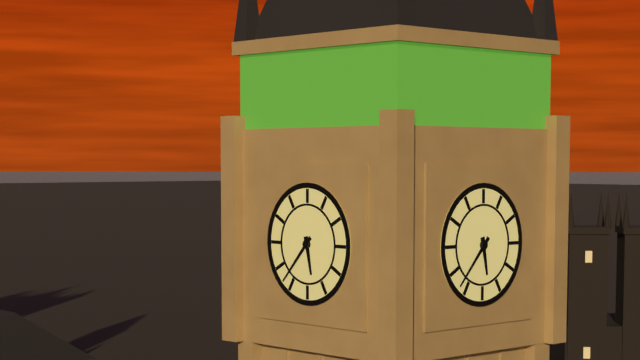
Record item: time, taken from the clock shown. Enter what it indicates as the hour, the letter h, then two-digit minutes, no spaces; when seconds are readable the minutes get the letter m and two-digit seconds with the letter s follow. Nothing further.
5h37
